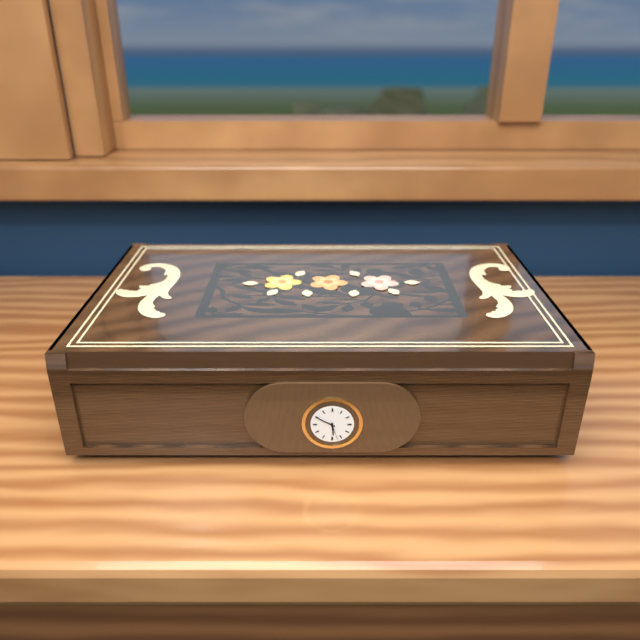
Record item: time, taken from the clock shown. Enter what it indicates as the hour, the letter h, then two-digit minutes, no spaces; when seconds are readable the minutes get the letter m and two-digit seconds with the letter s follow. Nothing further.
5h50m27s
